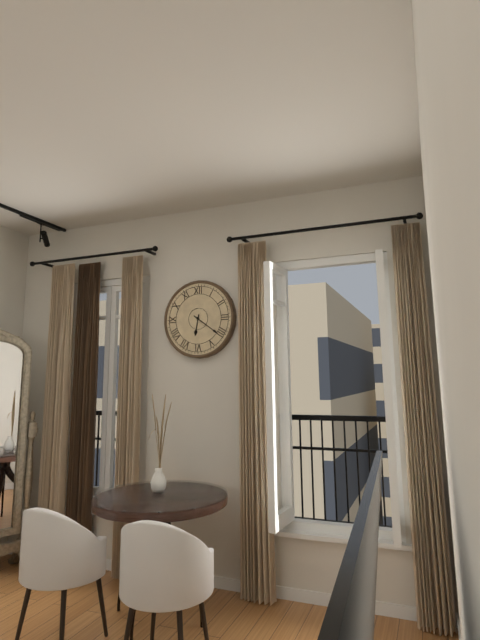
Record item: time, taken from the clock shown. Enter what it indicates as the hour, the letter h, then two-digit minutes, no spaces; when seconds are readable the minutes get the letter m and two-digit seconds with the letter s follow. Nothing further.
6h21
